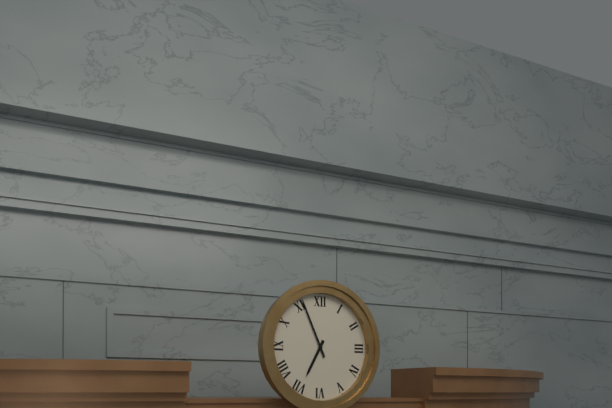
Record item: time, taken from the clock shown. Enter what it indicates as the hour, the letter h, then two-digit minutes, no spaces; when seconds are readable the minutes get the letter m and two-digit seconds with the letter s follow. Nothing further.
6h56
